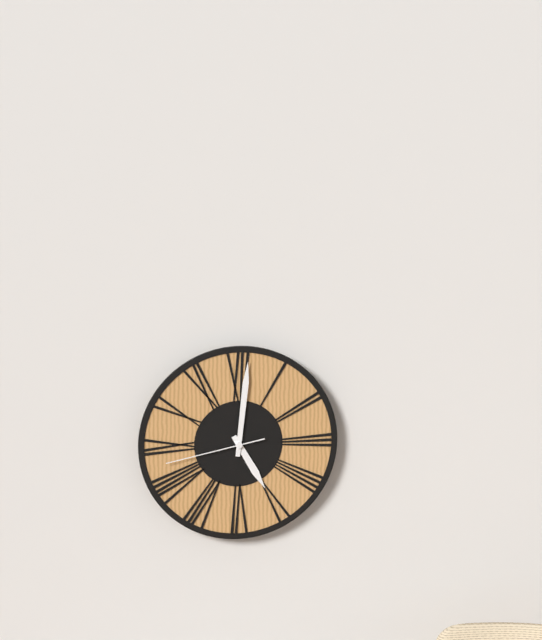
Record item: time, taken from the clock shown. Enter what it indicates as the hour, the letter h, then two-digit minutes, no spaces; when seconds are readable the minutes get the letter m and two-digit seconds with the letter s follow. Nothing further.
5h01m43s
